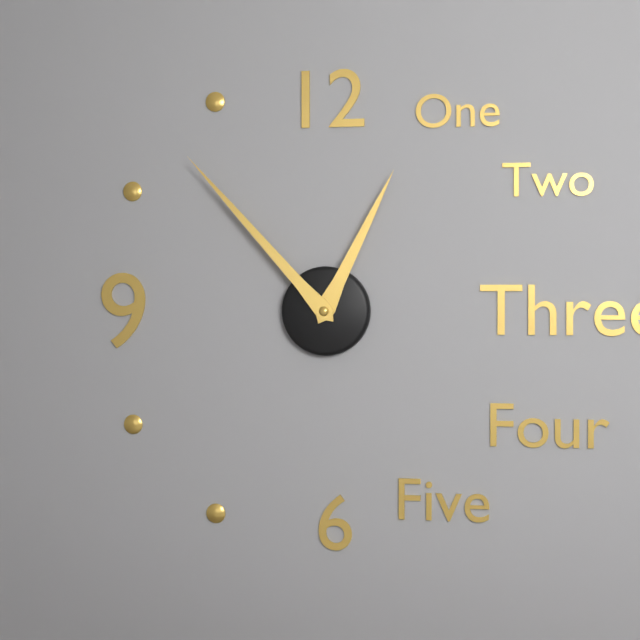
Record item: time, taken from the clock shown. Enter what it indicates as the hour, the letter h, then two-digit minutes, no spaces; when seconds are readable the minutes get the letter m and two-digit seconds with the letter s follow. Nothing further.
12h53
